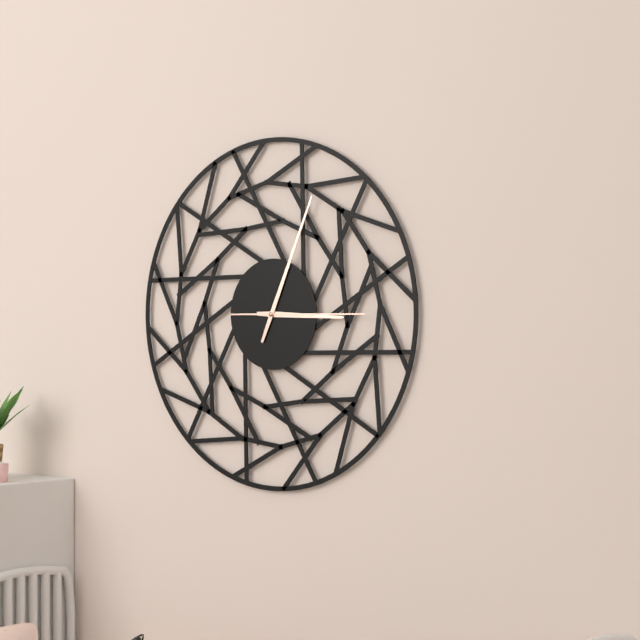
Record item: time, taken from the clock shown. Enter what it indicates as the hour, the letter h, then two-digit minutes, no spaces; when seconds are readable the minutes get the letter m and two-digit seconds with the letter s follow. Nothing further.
3h04m15s
